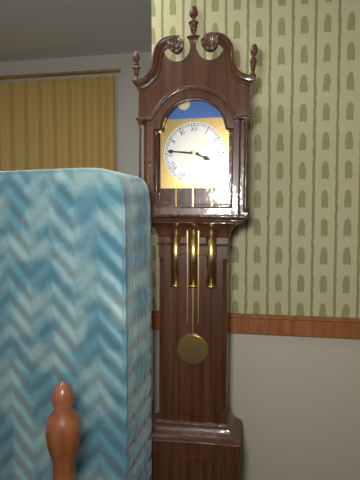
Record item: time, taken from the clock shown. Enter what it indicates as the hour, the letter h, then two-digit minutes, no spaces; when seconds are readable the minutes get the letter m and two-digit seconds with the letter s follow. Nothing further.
3h46
